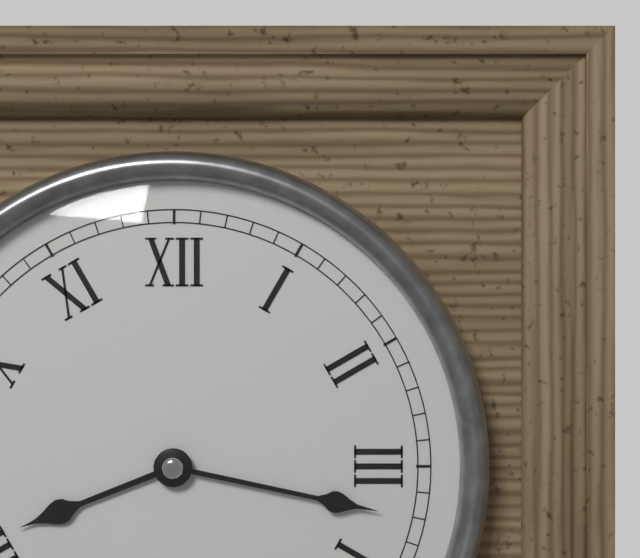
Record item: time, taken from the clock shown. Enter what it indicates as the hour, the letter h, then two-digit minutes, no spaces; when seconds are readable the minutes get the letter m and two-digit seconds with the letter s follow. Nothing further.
8h17
